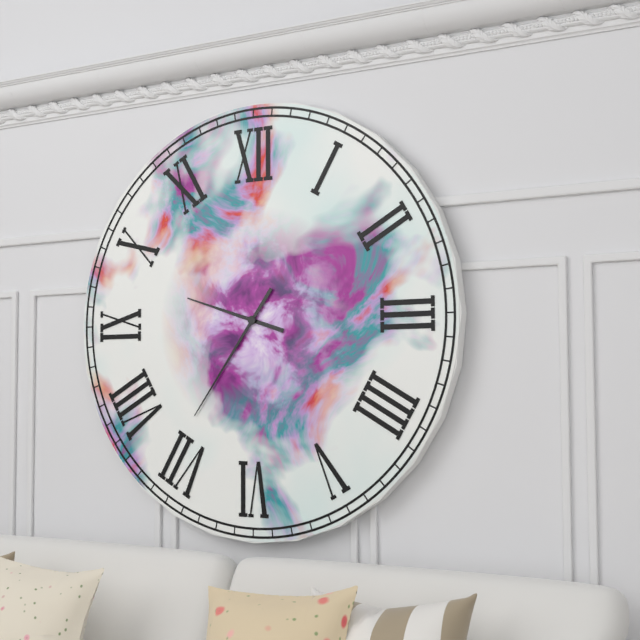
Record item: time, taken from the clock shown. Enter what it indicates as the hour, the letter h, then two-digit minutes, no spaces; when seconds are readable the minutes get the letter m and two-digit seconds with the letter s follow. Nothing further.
9h36
